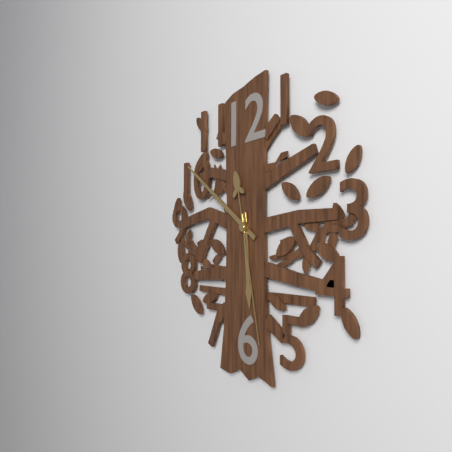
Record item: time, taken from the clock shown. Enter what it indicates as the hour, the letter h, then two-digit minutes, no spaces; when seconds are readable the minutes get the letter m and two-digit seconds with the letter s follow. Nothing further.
5h51m28s
